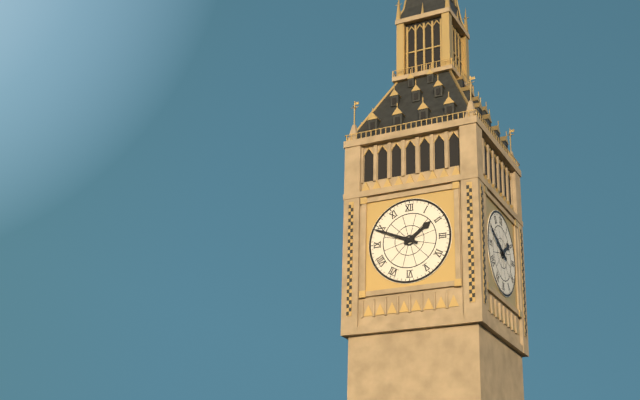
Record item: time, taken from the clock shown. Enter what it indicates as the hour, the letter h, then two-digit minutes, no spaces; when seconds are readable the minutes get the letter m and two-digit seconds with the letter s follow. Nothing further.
1h49
